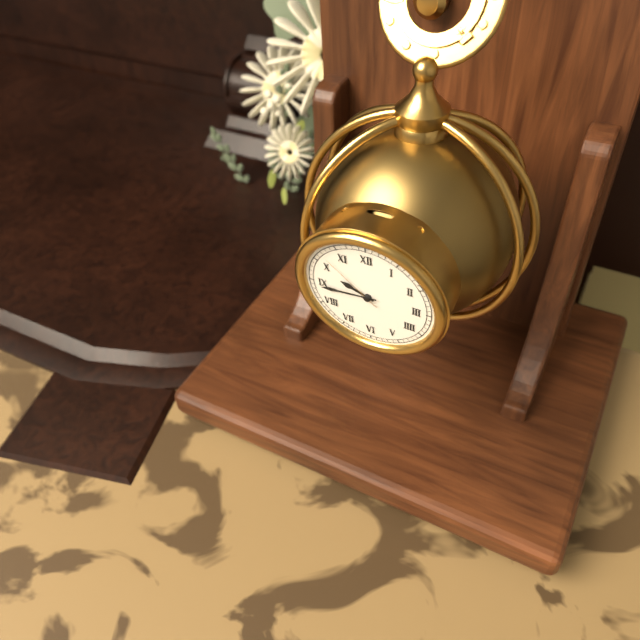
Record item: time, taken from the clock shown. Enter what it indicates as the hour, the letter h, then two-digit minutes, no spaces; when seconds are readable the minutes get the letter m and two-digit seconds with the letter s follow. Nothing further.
9h44m52s
